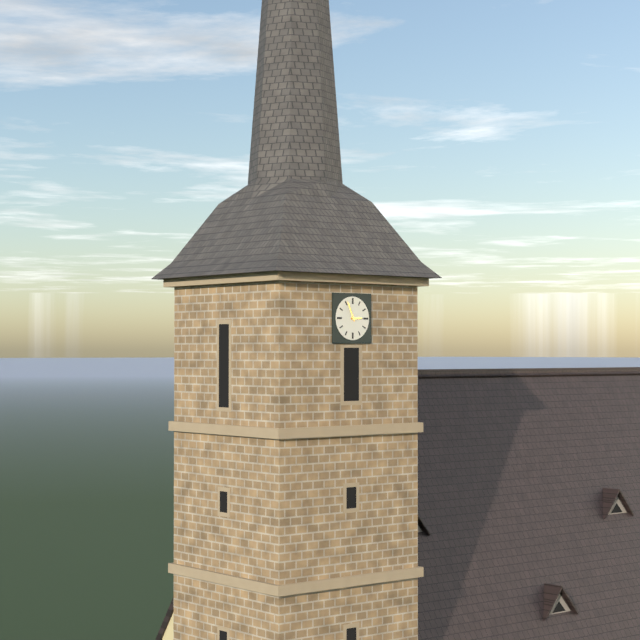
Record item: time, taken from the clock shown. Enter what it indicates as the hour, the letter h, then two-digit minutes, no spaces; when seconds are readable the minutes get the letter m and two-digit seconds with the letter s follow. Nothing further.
2h56
